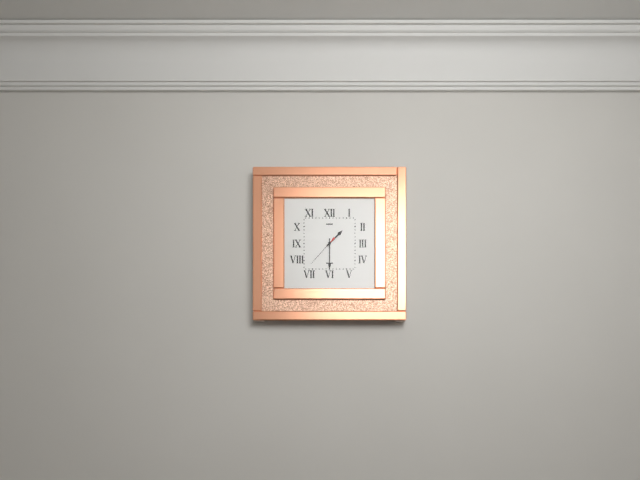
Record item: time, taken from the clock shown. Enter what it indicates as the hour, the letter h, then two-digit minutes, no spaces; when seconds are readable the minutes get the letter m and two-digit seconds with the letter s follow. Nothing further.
1h30
